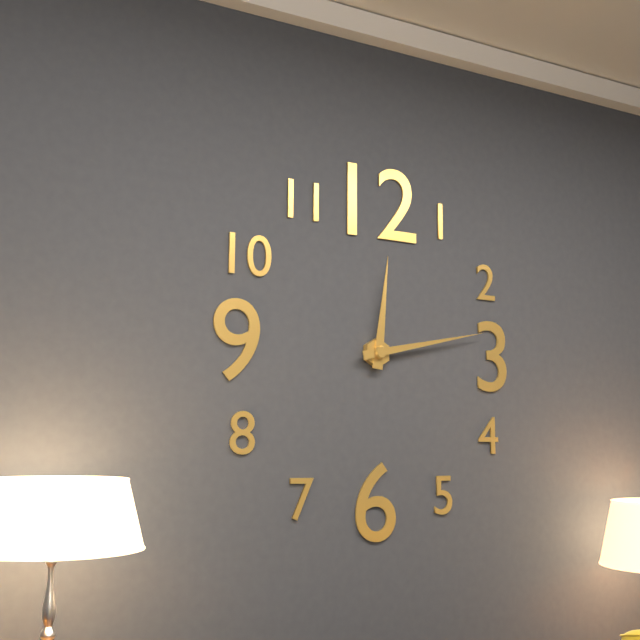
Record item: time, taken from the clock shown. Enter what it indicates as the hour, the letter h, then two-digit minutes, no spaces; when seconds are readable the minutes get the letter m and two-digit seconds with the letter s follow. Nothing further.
12h13
